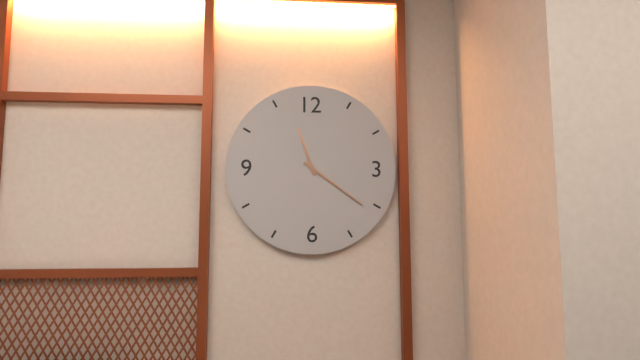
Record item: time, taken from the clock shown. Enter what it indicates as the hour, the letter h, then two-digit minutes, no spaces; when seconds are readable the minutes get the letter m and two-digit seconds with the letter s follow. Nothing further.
11h21
